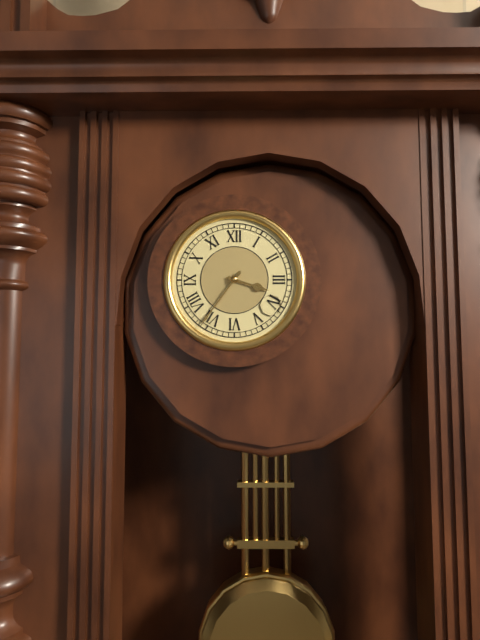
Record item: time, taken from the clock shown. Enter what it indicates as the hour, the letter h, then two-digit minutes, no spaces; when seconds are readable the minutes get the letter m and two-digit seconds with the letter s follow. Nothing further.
3h36
